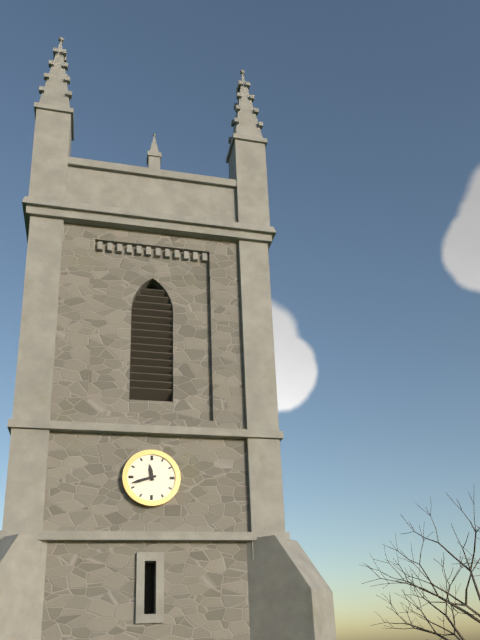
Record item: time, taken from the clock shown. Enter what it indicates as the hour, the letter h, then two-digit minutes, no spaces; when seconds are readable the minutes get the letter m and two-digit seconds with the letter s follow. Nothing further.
11h42
